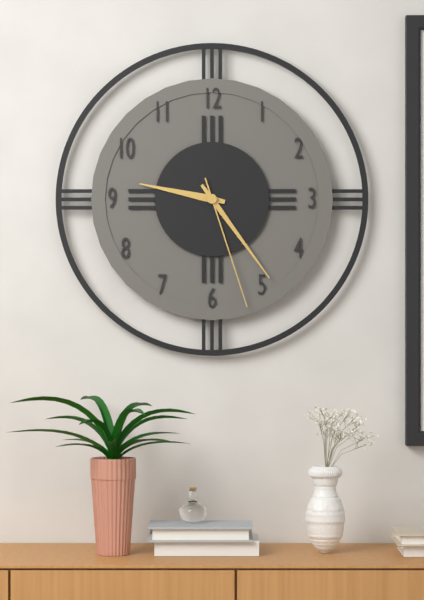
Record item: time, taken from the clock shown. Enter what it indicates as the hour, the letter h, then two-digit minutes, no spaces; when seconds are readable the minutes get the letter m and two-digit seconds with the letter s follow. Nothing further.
9h24m27s
